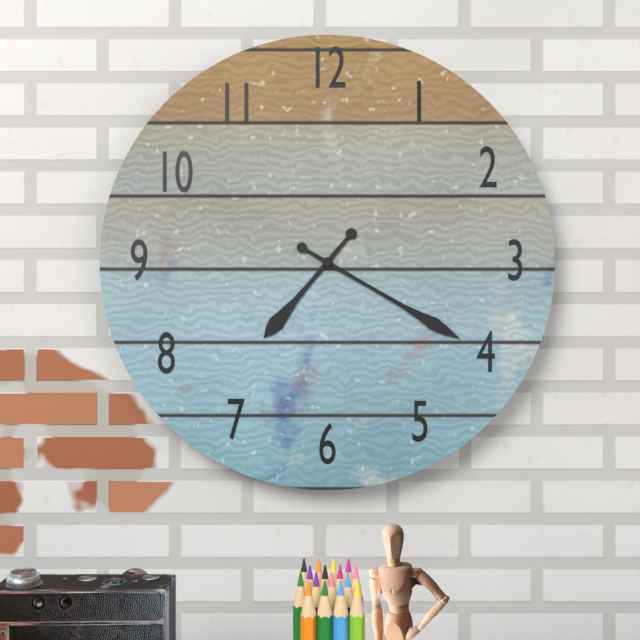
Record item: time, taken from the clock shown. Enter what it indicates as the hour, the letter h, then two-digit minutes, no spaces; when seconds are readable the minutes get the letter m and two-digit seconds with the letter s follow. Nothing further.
7h20
